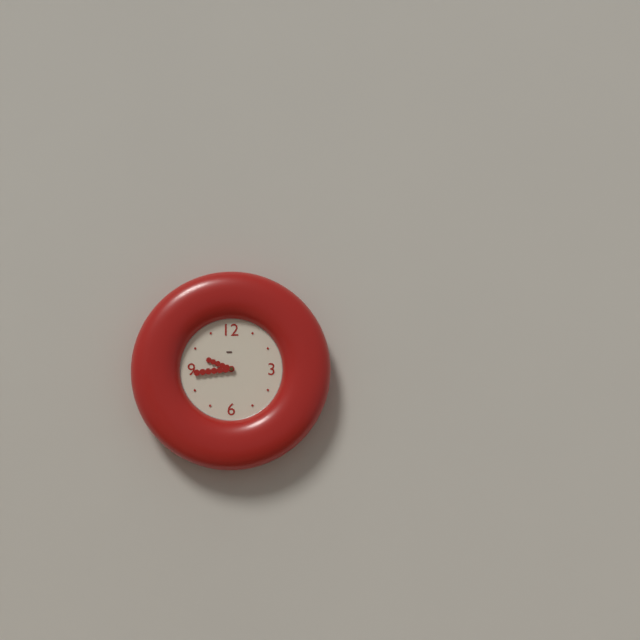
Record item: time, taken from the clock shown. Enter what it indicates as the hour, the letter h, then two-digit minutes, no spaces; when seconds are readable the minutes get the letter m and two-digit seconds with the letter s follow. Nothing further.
9h44
